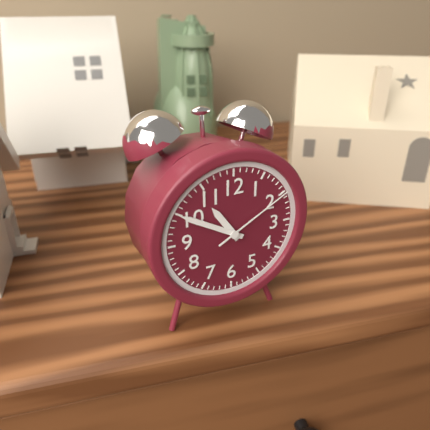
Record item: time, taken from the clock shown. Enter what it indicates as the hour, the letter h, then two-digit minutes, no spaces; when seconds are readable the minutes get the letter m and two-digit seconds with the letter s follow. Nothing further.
10h50m10s
